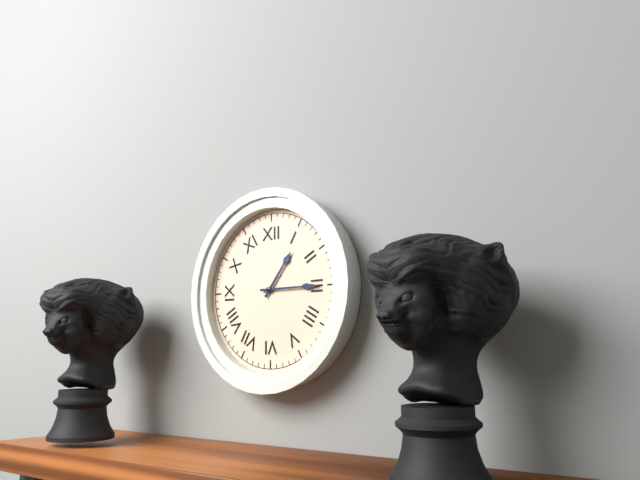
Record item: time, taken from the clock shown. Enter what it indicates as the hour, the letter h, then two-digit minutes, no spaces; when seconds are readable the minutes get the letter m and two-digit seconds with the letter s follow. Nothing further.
1h15
